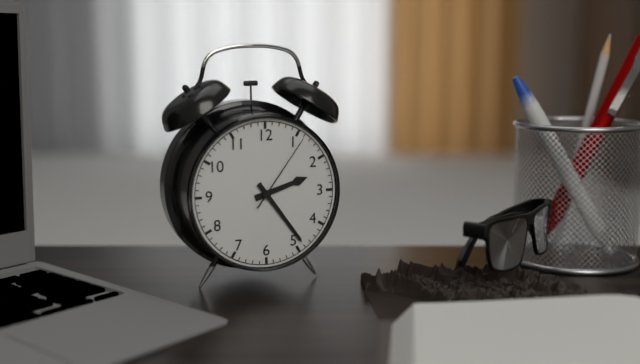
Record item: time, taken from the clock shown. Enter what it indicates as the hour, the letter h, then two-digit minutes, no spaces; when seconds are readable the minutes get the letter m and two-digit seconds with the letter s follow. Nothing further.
2h24m06s
